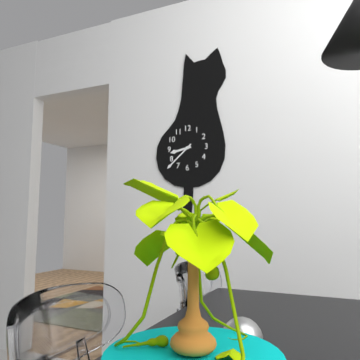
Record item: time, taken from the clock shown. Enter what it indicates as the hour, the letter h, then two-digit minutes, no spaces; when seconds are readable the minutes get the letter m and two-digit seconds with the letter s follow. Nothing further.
8h38
